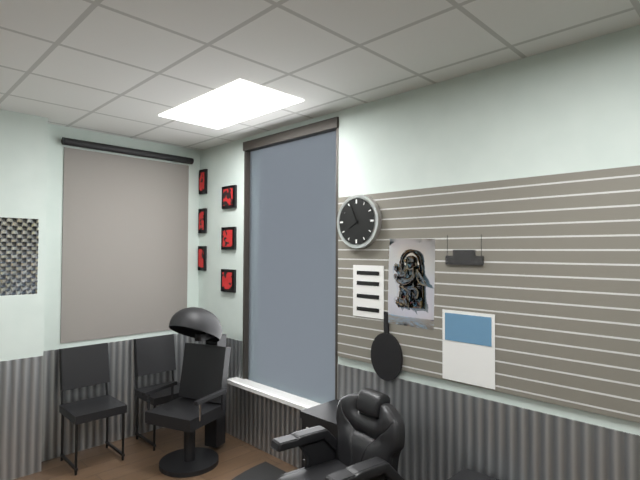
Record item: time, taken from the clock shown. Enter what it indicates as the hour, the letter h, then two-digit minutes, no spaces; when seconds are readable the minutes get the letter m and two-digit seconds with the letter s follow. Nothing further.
7h56
